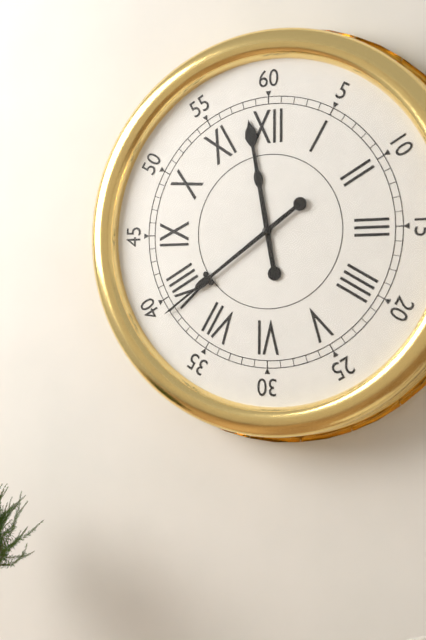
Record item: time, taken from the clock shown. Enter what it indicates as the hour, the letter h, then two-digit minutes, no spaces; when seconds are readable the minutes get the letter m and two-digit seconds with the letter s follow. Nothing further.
11h39
